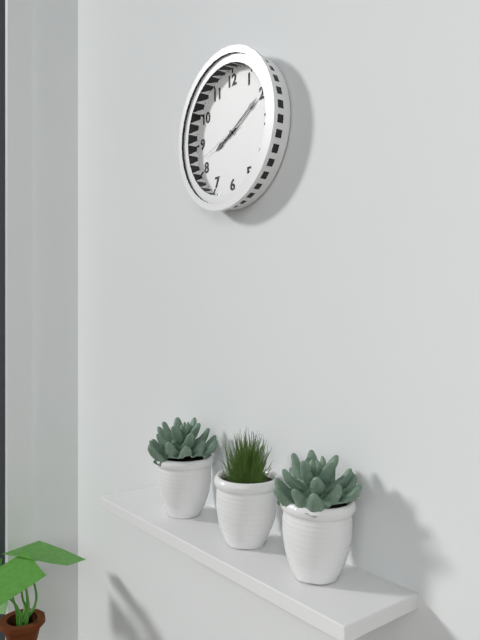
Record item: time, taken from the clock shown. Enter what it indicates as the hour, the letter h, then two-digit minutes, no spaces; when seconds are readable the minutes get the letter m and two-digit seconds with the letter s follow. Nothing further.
8h10
